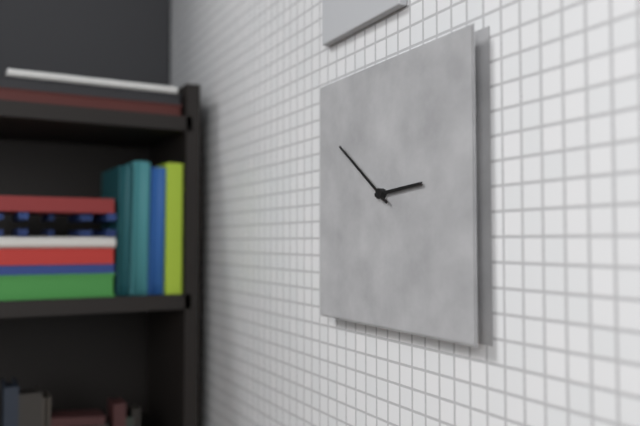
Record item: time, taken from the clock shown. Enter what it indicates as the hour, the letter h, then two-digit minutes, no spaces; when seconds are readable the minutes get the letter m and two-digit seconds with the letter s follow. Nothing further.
2h51
